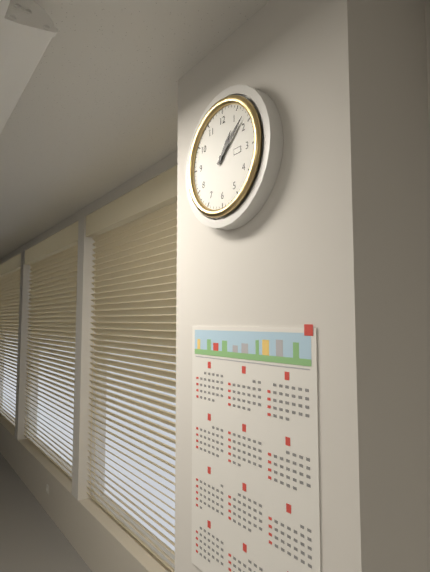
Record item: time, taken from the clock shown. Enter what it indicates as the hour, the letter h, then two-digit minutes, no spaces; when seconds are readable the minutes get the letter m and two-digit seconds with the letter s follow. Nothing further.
1h08
